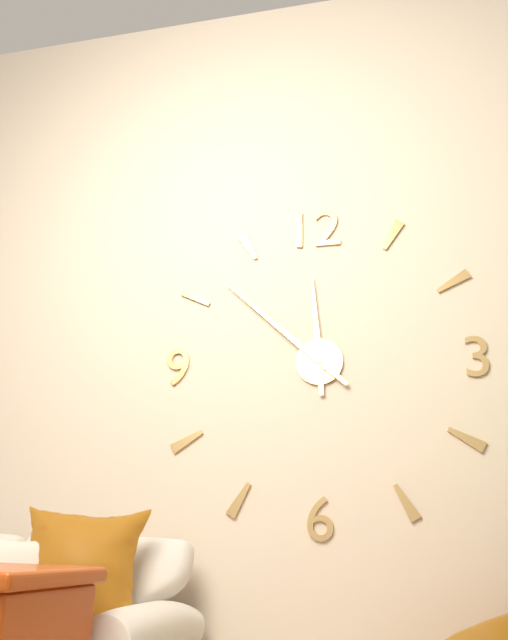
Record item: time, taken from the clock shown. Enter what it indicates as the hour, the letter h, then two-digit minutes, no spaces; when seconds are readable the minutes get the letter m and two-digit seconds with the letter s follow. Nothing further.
11h52
